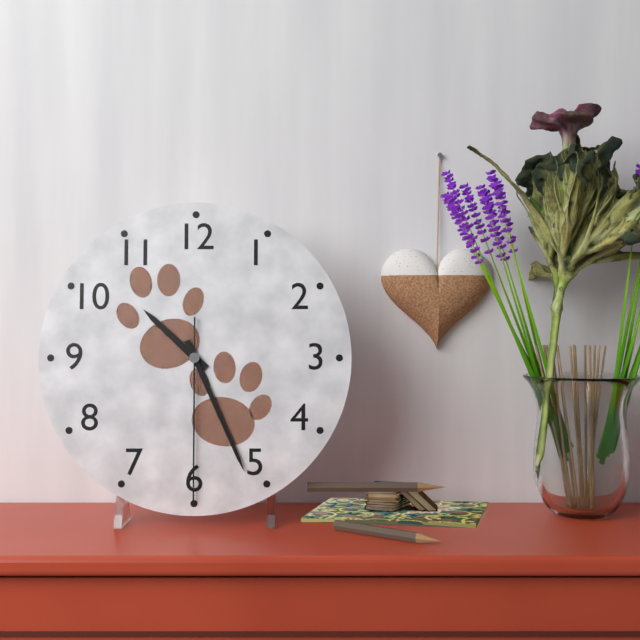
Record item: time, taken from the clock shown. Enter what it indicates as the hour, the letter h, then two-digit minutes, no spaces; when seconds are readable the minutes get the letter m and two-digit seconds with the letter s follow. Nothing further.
10h26m30s
